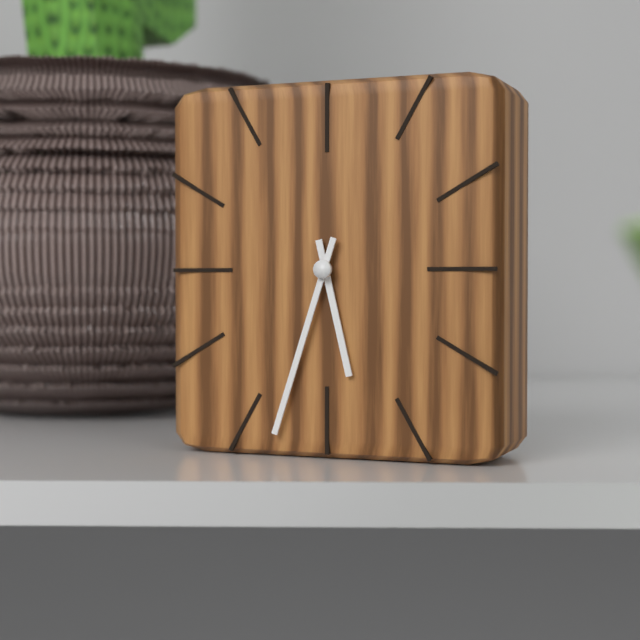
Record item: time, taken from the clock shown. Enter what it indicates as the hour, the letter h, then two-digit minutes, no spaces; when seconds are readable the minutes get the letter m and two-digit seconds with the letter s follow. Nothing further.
5h33
